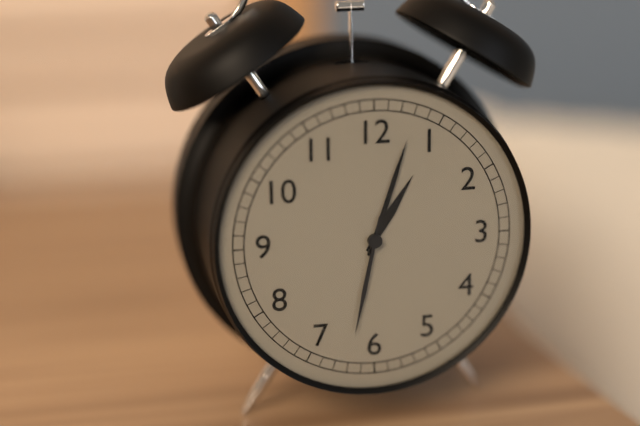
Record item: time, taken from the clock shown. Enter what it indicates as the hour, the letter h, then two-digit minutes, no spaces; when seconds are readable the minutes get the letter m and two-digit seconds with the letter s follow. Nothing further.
1h03m32s
